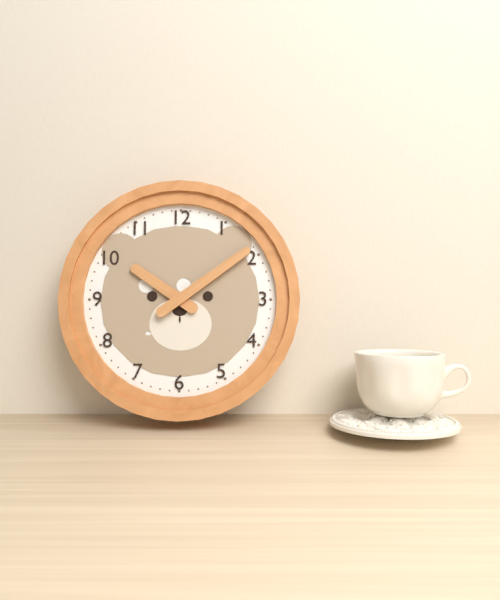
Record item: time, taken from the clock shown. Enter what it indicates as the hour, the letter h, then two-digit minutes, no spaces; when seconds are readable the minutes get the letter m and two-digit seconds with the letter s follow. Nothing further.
10h09
